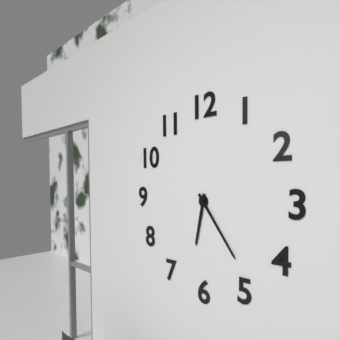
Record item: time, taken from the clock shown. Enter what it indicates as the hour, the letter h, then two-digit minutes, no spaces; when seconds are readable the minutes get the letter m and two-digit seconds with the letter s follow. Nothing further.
6h24
